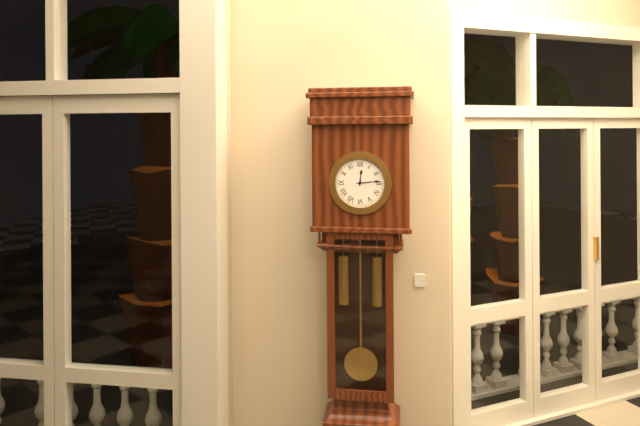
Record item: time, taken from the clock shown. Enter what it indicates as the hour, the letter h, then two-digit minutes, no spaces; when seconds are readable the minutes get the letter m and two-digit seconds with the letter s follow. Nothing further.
12h14
